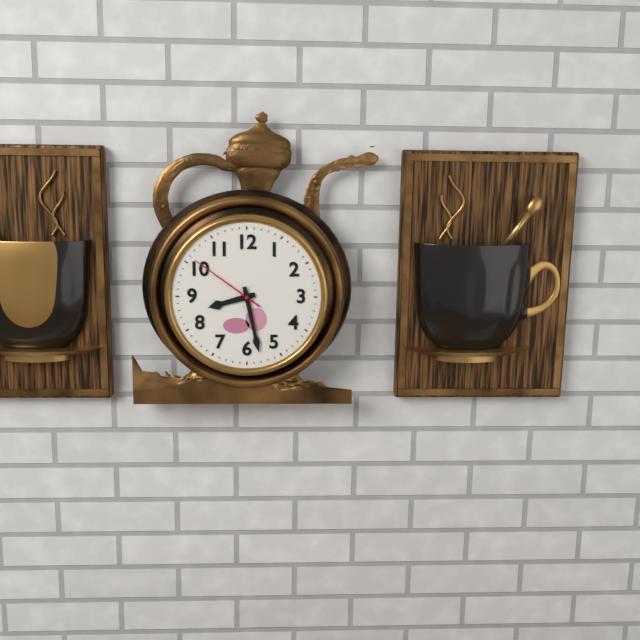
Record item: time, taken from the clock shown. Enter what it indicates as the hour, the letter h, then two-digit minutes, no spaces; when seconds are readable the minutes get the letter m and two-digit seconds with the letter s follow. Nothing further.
8h28m51s
